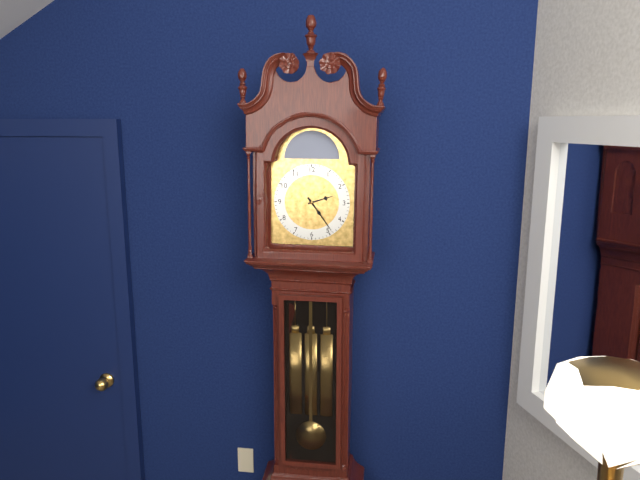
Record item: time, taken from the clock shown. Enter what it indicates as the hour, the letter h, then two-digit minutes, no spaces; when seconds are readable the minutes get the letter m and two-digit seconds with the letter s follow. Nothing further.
2h24
